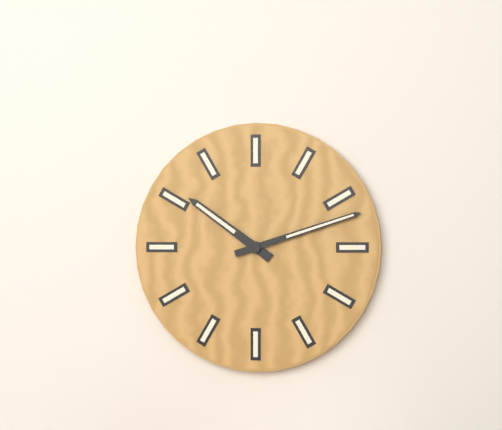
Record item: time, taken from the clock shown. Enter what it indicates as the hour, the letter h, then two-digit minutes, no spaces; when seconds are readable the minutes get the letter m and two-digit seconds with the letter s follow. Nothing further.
10h12
